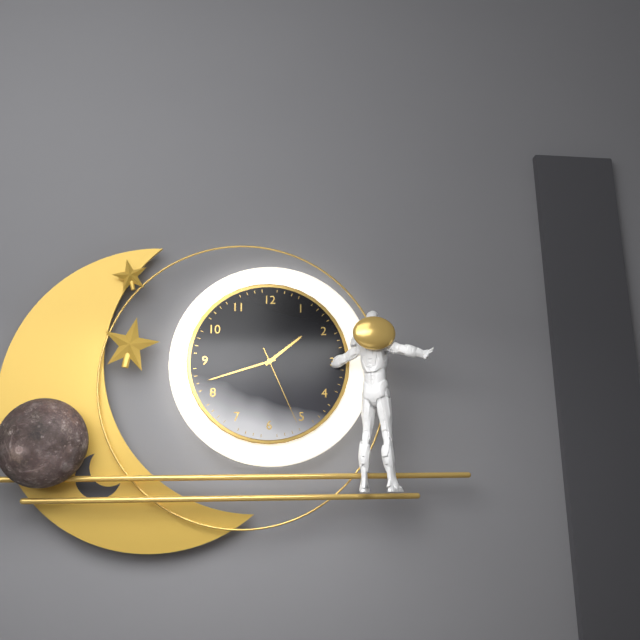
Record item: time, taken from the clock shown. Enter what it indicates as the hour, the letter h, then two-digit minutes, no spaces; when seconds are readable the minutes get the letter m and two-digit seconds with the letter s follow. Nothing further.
1h42m26s
